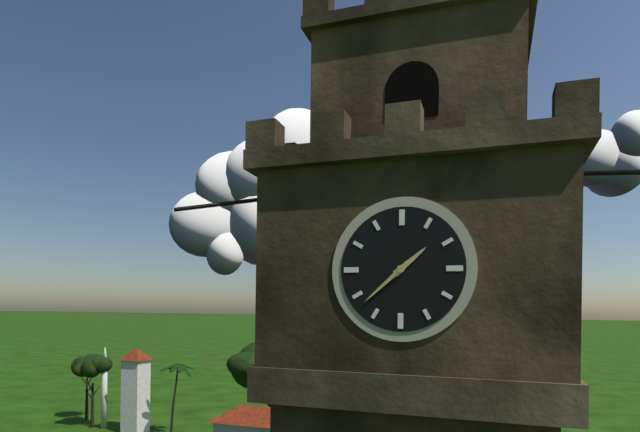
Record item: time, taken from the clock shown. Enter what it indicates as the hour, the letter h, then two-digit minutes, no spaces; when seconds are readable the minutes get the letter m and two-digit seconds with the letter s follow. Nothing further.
1h38
